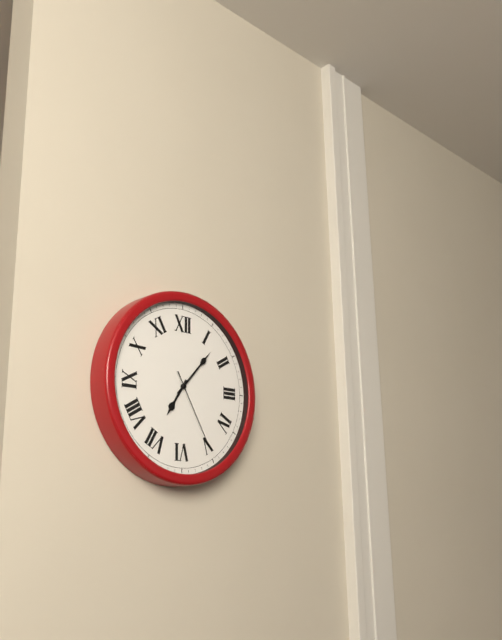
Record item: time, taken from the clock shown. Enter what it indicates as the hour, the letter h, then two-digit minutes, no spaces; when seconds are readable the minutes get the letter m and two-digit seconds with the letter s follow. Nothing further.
7h07m25s
